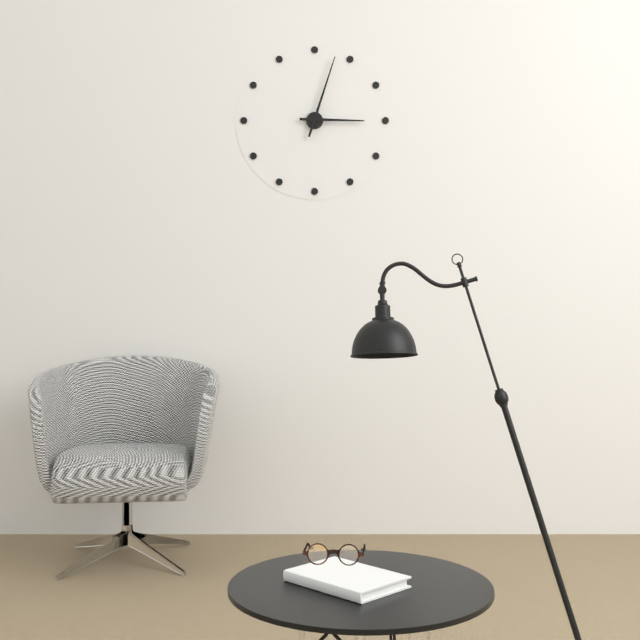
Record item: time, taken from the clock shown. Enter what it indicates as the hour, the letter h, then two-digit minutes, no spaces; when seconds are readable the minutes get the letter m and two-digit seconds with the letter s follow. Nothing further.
3h03
